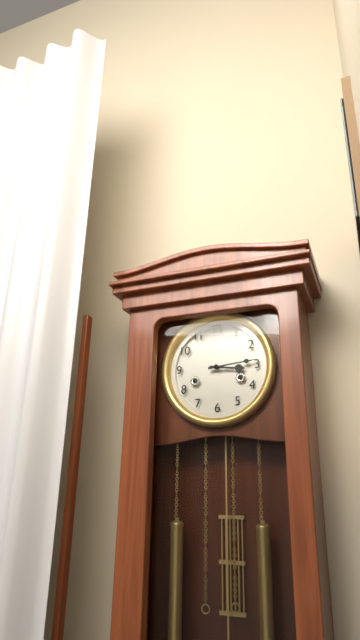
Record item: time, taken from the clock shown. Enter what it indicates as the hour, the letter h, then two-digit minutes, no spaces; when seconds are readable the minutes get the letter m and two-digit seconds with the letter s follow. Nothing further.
3h14
